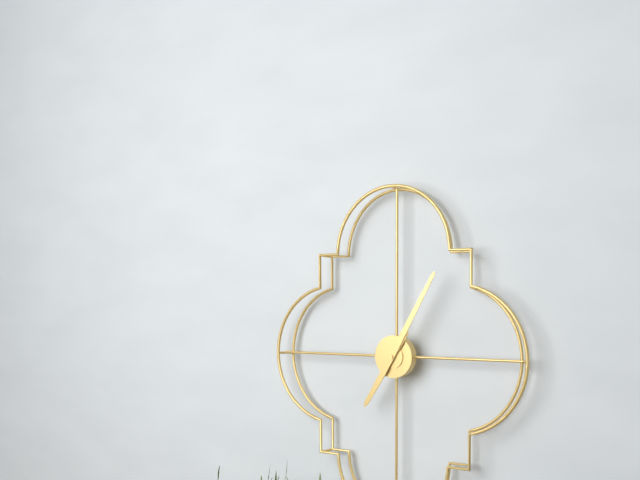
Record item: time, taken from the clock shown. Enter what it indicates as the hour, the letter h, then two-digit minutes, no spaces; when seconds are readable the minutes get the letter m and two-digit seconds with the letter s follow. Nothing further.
7h05
